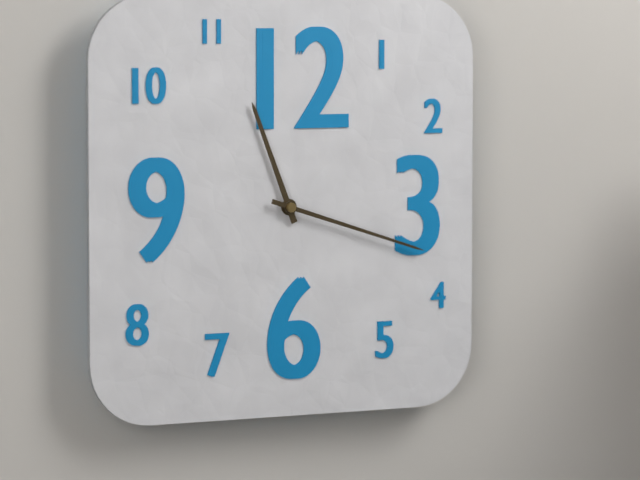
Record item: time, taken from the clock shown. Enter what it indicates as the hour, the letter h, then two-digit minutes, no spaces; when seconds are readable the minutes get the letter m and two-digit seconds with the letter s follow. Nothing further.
11h18
